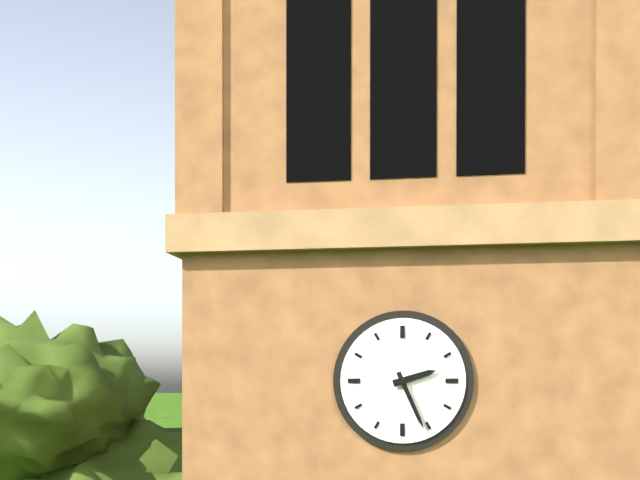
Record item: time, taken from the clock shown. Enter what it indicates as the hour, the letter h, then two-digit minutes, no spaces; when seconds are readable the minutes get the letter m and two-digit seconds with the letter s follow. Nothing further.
2h26
